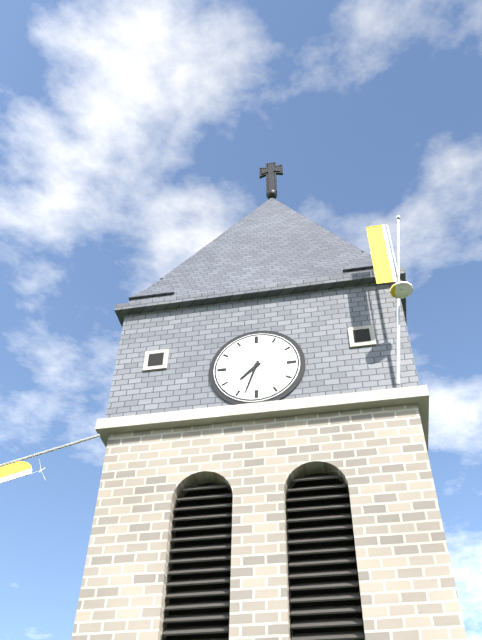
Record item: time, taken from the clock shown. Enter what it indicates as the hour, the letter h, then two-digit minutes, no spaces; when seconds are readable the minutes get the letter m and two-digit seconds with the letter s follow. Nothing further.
7h33
